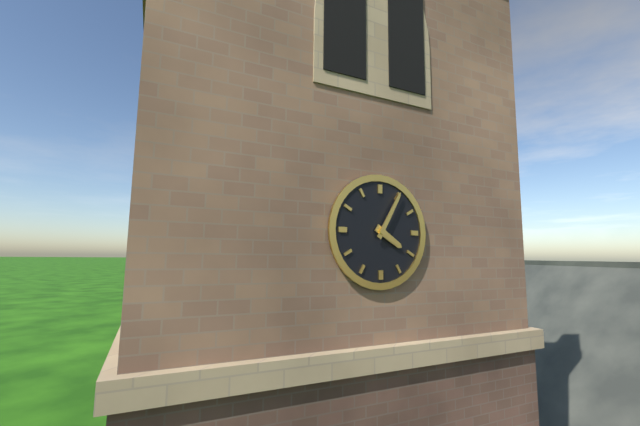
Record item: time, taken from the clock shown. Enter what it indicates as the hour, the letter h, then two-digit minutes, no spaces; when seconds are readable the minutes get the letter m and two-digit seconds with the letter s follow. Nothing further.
4h05
